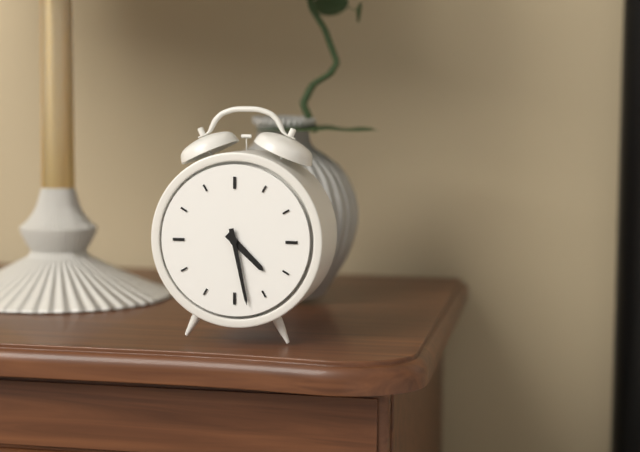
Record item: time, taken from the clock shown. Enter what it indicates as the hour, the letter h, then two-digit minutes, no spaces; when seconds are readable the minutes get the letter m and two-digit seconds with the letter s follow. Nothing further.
4h28
